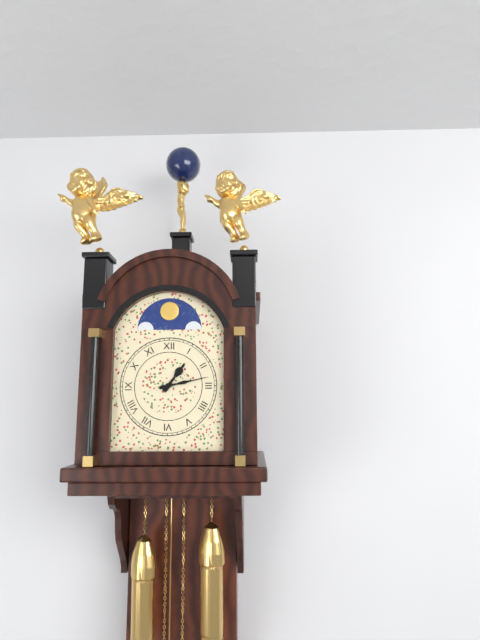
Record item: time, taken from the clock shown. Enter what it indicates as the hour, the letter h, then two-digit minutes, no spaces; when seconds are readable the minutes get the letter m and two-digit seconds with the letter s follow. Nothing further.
1h13
